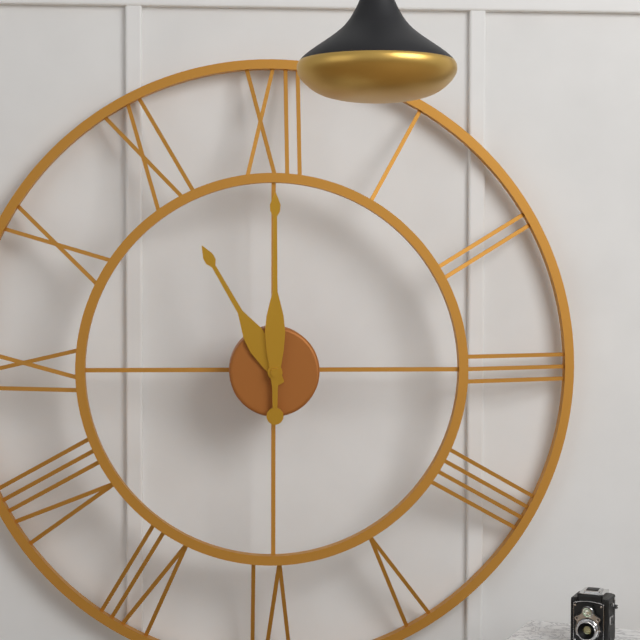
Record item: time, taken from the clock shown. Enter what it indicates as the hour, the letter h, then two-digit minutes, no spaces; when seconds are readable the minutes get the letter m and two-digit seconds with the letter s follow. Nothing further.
11h00
